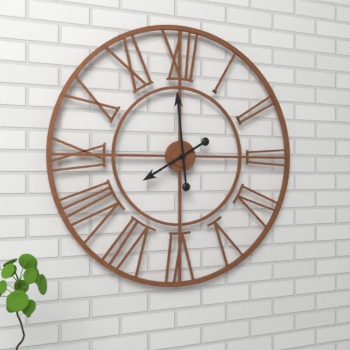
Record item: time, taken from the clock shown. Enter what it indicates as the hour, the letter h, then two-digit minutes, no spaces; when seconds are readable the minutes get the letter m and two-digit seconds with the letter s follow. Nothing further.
7h59
